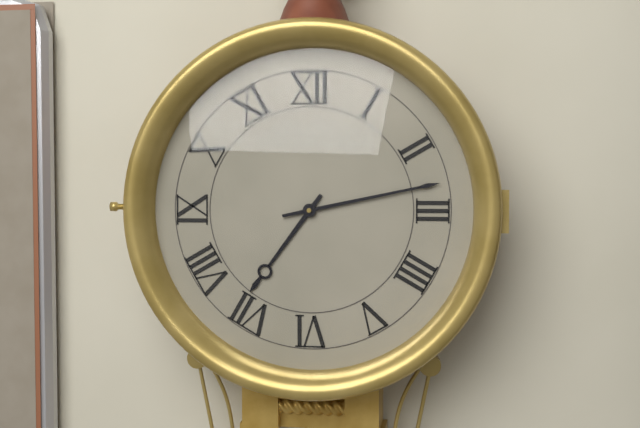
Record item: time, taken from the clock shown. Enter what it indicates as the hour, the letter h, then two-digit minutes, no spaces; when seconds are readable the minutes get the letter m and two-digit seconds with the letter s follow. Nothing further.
7h13
